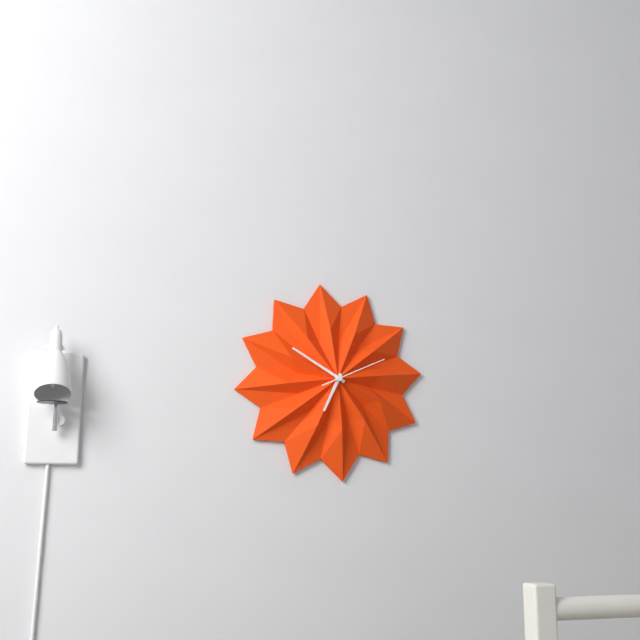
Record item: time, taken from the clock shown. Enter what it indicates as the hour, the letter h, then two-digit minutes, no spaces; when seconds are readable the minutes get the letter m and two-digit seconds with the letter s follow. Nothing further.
6h50m11s
